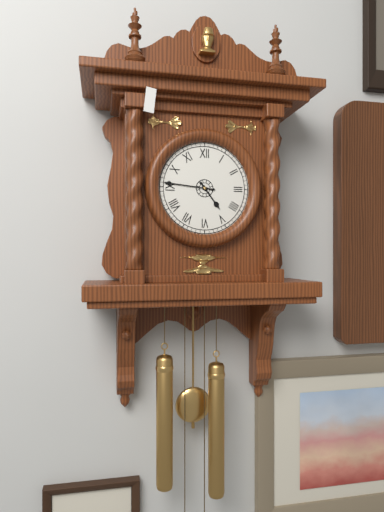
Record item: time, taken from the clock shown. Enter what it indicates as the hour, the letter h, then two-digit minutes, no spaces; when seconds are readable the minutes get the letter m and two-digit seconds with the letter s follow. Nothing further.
4h46
